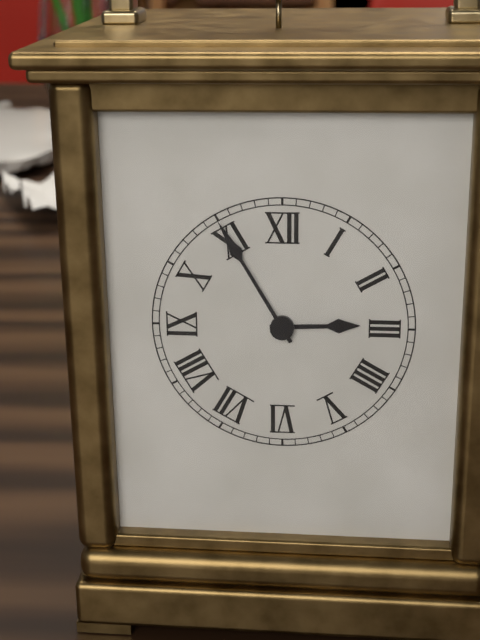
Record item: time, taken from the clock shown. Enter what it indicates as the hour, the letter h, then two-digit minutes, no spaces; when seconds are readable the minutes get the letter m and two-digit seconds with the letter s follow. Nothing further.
2h55
